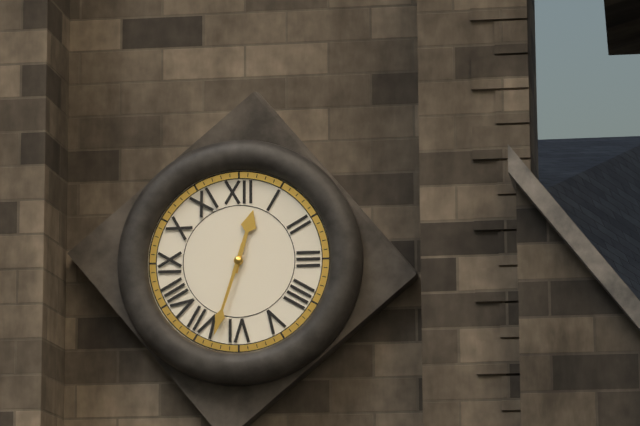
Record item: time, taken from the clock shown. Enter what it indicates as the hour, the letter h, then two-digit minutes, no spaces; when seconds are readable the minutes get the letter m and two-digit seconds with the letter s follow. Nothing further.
12h33
